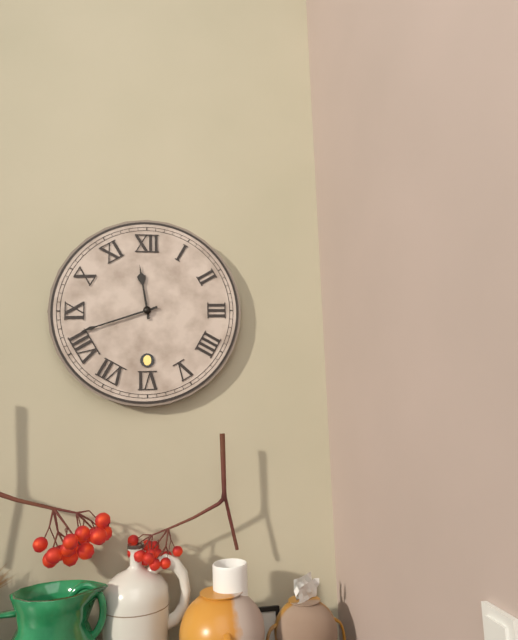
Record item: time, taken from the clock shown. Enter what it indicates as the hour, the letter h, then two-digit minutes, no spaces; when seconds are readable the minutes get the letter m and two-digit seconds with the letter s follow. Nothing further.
11h42
